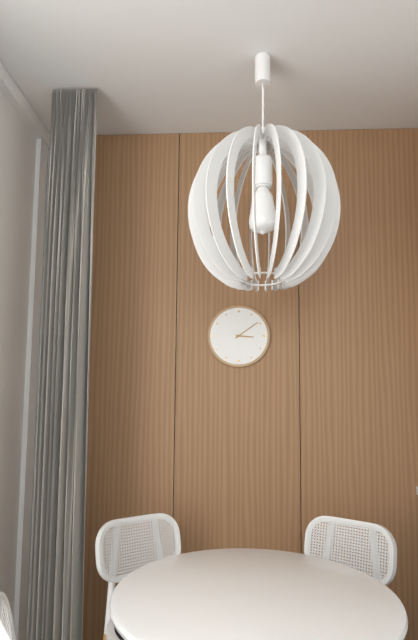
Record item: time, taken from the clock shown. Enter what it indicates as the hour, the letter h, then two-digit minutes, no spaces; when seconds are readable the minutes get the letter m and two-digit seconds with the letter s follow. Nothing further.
3h09
